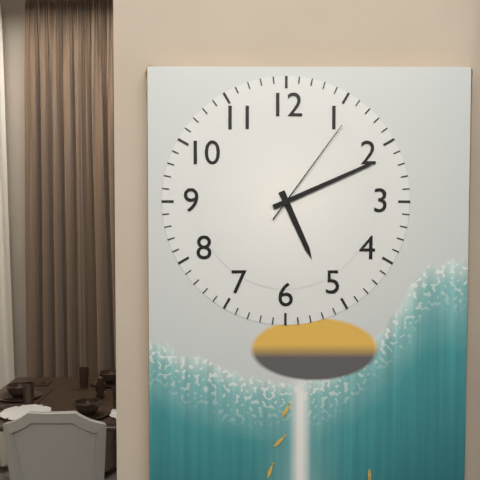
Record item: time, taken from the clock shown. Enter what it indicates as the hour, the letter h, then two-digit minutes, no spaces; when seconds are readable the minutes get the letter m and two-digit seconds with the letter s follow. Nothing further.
5h11m06s
